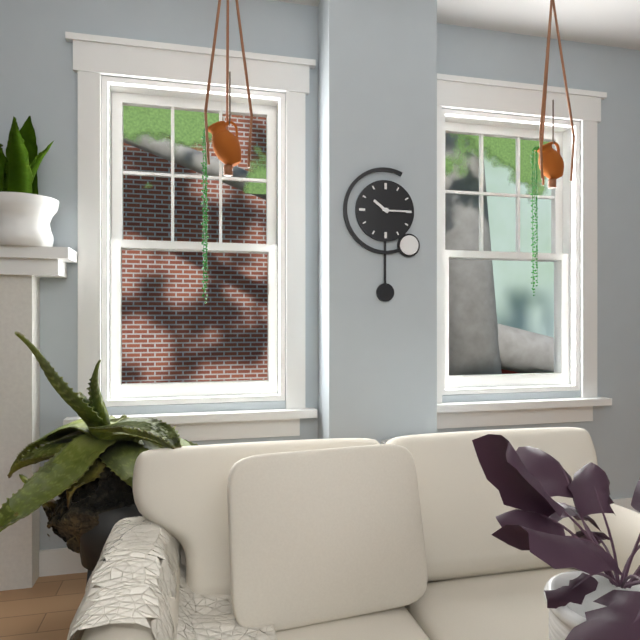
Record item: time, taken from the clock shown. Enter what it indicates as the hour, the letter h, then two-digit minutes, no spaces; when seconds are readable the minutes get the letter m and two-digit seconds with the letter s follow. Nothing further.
10h15
